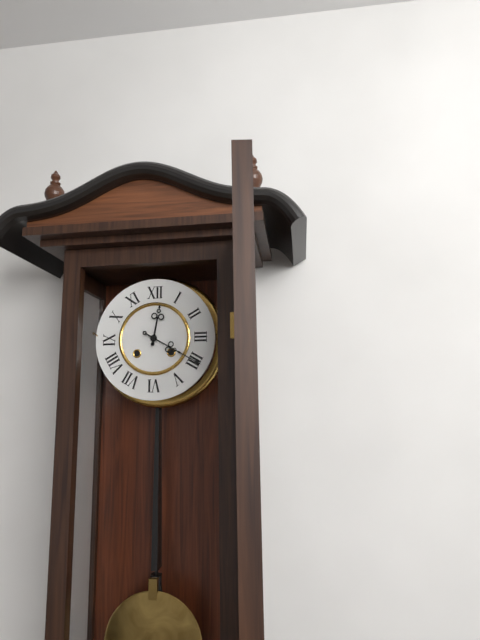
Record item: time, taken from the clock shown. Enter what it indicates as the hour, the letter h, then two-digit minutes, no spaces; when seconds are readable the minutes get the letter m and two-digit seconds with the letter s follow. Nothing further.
12h20
